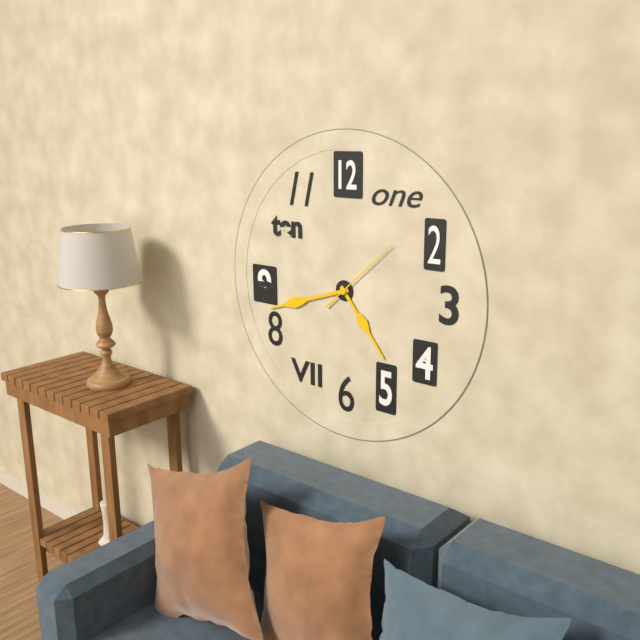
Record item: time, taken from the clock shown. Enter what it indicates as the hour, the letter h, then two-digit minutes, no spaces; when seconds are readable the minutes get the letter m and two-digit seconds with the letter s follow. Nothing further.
4h42m08s
